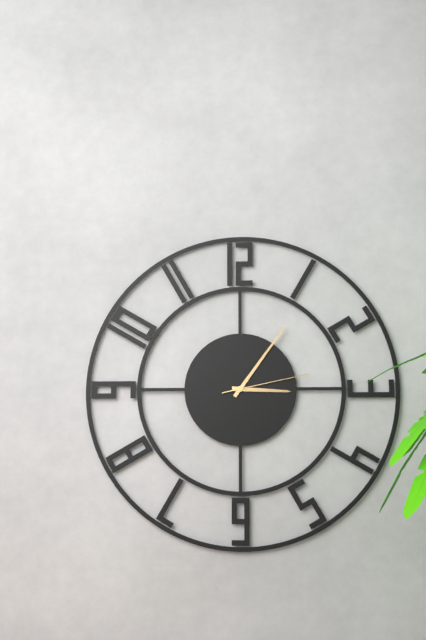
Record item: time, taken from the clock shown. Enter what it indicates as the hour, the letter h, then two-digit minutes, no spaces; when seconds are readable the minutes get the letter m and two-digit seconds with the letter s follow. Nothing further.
3h06m13s
